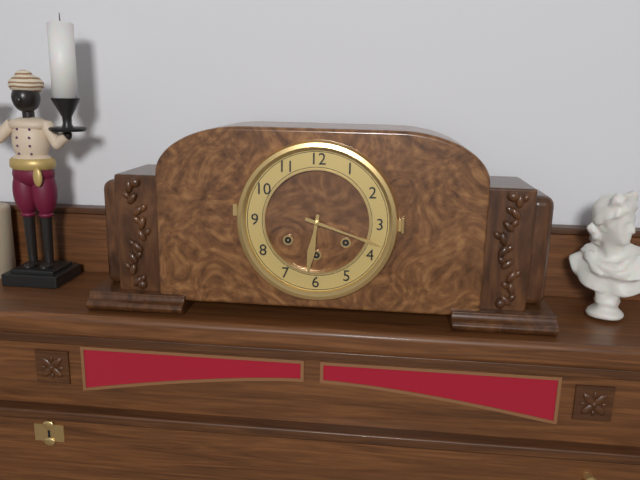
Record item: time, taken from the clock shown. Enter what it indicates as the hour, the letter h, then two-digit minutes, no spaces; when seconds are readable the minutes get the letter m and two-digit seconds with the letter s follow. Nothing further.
6h18
